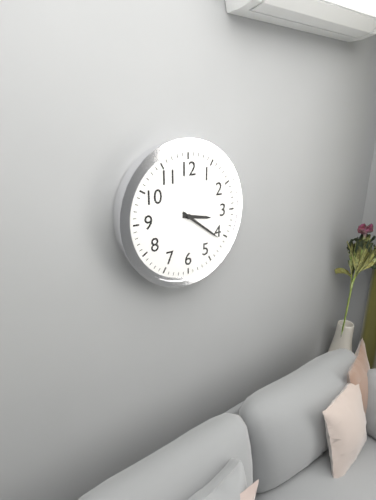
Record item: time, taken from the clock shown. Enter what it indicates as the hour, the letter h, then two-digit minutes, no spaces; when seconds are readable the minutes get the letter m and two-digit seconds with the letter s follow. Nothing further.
3h21
